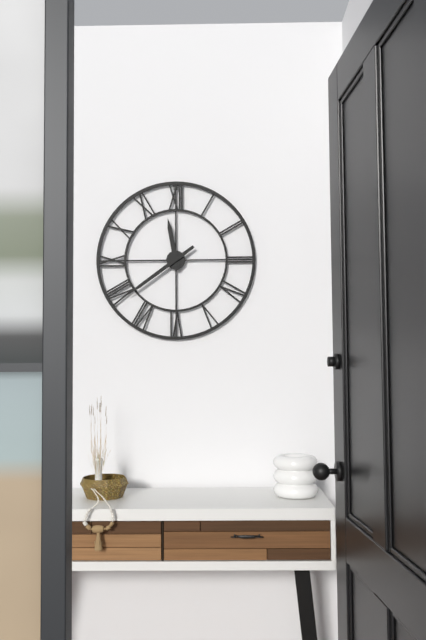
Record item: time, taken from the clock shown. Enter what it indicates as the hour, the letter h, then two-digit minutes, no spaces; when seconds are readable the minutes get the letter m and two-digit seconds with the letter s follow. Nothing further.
11h39
